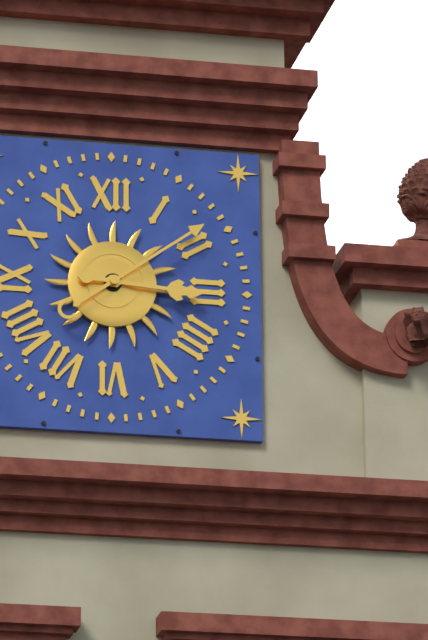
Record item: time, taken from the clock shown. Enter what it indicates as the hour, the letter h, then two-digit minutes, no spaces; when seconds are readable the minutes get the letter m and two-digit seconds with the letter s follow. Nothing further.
3h09
